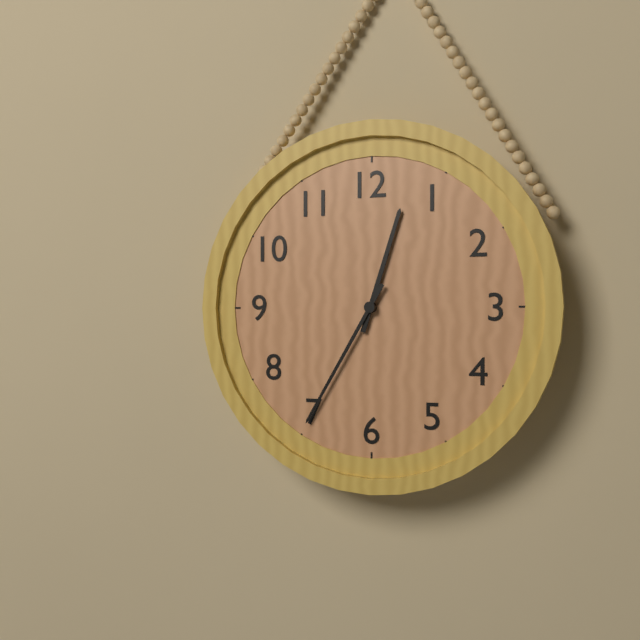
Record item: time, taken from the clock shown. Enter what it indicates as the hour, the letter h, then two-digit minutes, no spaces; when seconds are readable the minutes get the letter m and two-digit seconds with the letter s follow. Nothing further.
12h35
